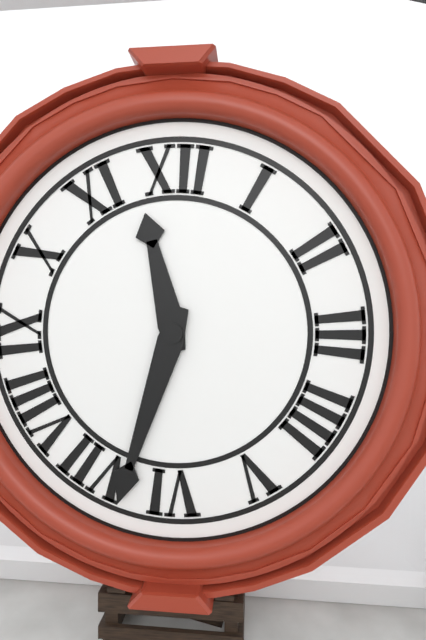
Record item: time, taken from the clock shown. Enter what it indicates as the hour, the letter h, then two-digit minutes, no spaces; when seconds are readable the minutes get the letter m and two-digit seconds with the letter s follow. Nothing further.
11h33
